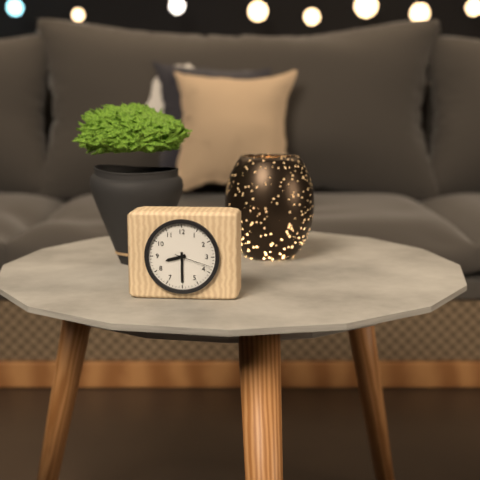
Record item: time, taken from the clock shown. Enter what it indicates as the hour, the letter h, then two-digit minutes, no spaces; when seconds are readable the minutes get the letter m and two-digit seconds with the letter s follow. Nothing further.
8h30
